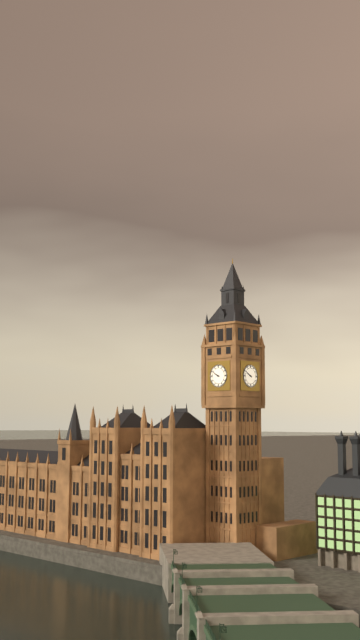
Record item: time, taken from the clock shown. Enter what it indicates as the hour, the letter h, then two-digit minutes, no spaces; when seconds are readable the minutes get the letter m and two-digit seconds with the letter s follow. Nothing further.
9h50
